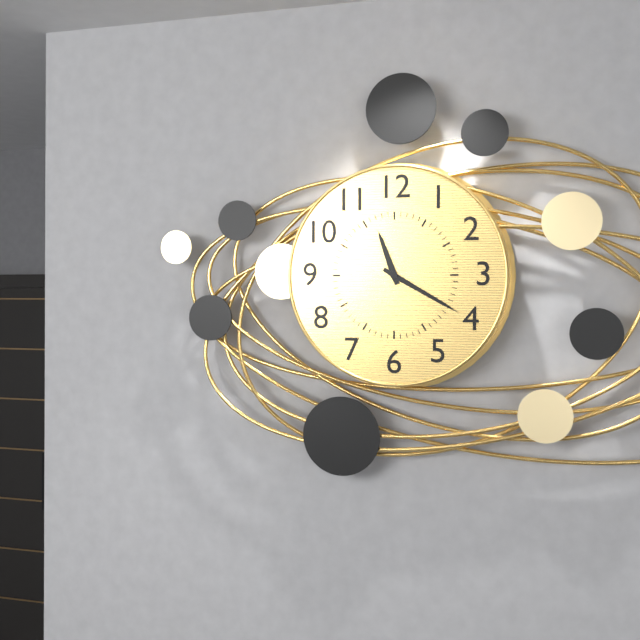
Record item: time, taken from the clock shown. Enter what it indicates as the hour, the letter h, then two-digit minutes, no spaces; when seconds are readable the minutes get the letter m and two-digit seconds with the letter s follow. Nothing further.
11h20
